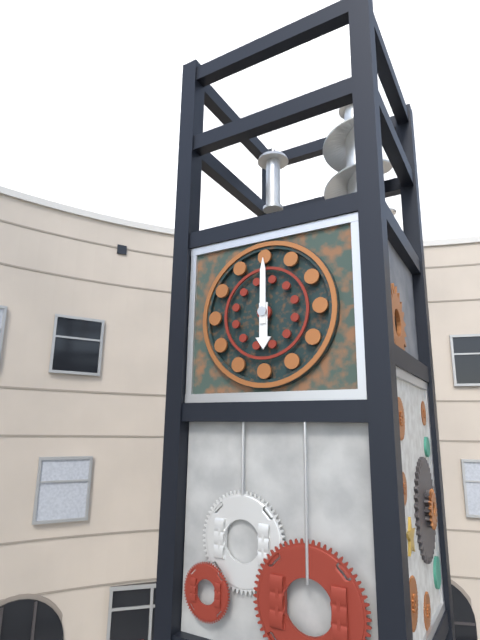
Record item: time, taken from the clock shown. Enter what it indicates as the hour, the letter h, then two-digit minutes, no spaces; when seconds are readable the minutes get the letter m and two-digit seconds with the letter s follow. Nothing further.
6h00
